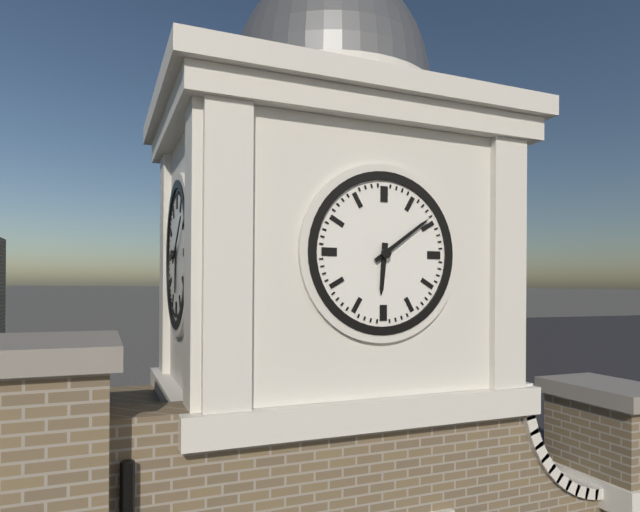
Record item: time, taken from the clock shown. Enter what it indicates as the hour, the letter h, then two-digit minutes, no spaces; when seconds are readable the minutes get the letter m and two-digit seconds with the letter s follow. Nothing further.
6h09
